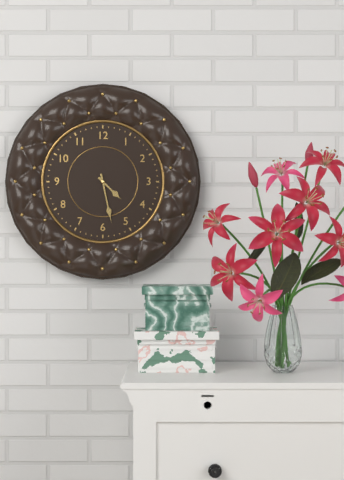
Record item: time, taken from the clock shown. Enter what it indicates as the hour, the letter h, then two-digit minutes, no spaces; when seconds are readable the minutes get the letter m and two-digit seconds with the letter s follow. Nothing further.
4h28
